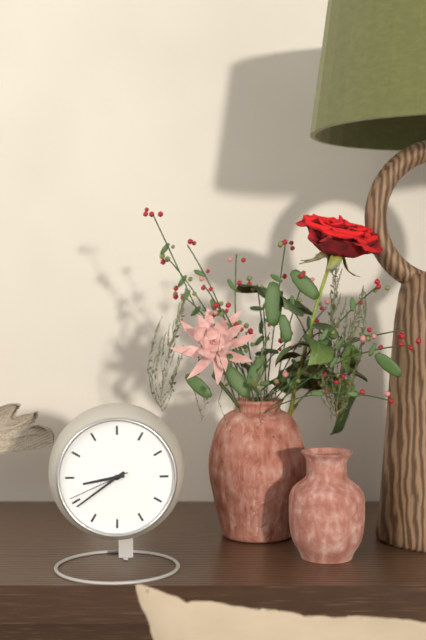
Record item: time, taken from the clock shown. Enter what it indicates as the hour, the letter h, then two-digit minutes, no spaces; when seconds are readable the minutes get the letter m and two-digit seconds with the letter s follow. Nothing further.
8h39m41s
